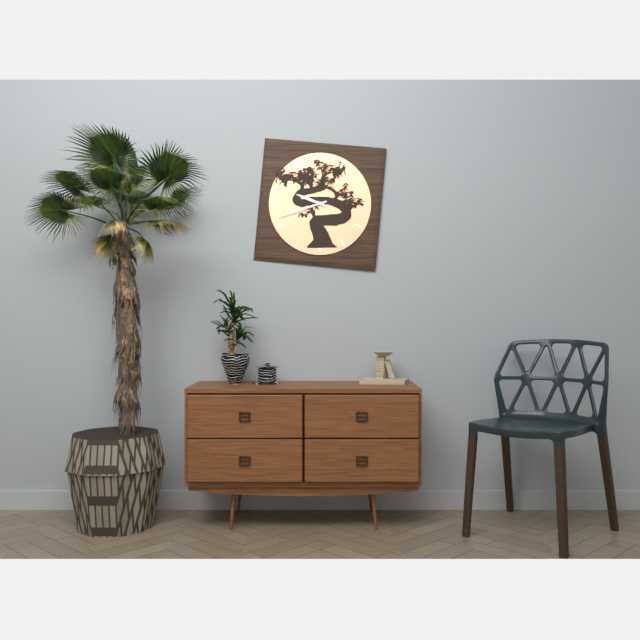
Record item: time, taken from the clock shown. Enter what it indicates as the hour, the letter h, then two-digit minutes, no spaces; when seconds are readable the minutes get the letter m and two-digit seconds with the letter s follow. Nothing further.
9h42
